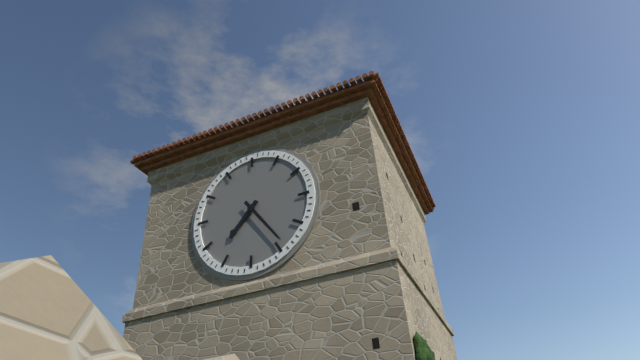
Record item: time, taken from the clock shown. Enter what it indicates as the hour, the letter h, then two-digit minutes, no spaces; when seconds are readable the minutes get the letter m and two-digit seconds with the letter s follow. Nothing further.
7h24
